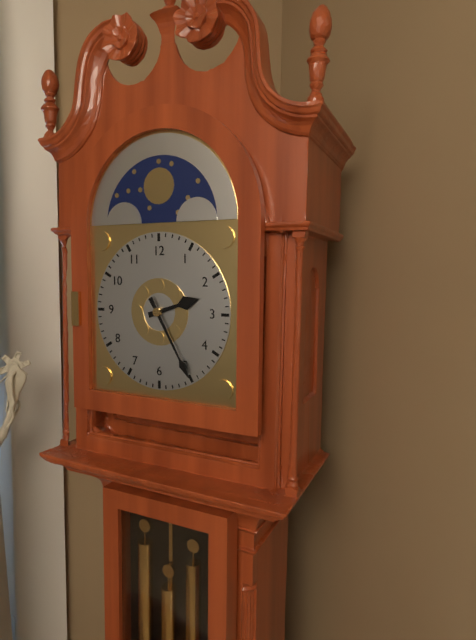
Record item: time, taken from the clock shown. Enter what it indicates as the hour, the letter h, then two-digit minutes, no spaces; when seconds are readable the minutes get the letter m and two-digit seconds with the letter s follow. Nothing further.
2h25
